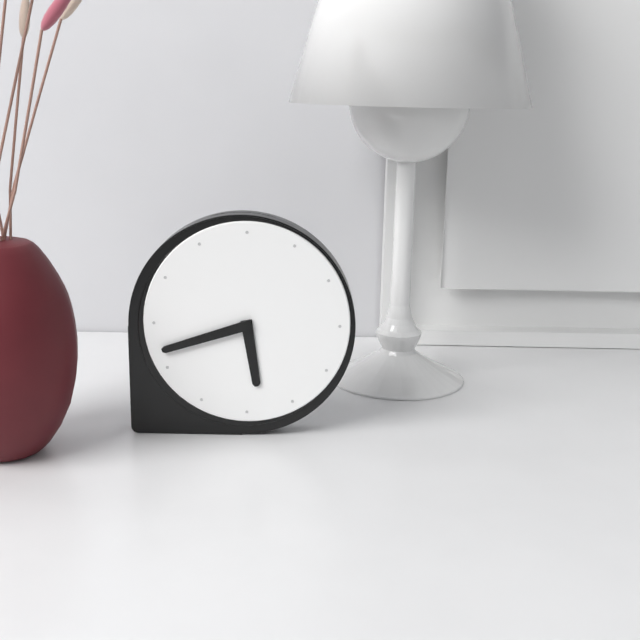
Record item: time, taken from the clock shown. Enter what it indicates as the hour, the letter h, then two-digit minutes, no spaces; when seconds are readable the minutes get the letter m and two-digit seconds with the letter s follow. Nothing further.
5h42
